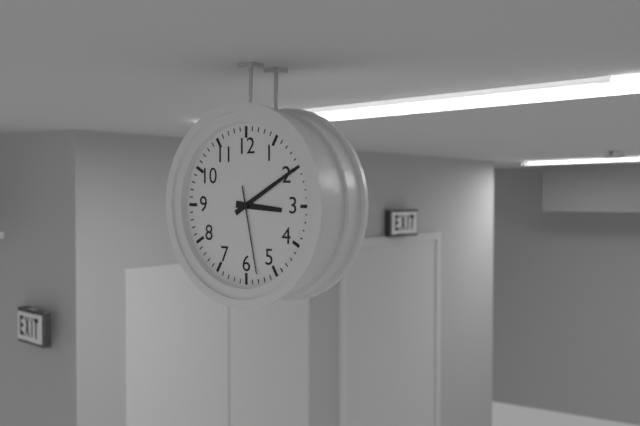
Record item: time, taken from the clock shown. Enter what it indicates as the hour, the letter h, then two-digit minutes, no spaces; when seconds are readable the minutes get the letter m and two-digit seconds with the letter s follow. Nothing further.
3h10m28s
